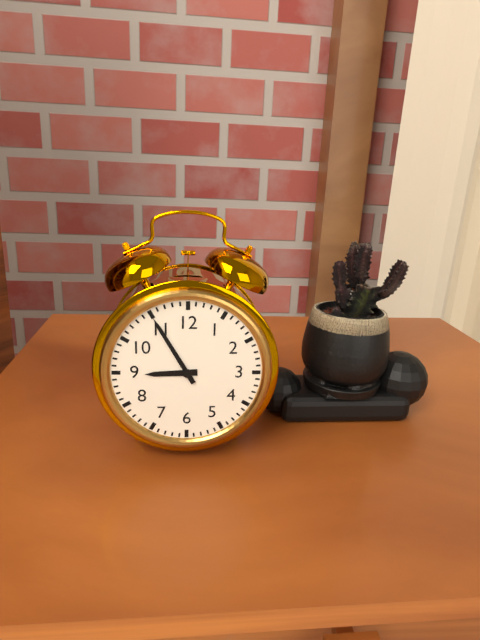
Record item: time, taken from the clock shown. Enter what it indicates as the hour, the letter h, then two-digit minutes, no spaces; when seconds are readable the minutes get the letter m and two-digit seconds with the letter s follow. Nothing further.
8h55
